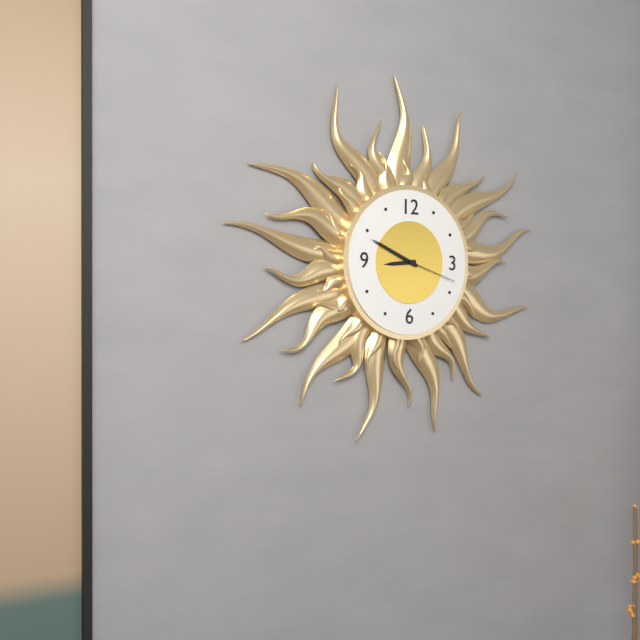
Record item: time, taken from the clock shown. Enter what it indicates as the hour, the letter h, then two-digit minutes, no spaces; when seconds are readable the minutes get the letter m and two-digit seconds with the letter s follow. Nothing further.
8h49m18s
